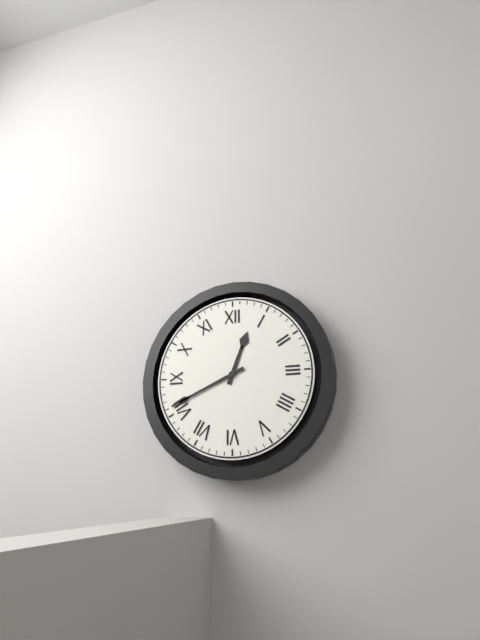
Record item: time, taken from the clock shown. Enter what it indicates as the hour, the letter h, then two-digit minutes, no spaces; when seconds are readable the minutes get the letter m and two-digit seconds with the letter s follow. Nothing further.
12h41
